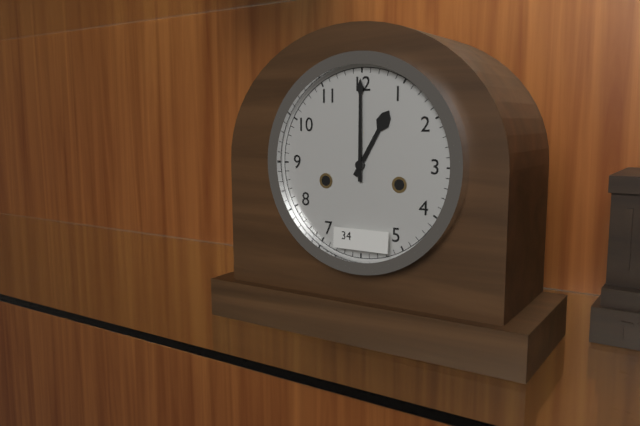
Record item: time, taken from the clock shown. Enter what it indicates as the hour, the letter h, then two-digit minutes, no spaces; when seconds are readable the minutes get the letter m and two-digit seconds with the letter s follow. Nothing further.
1h00
